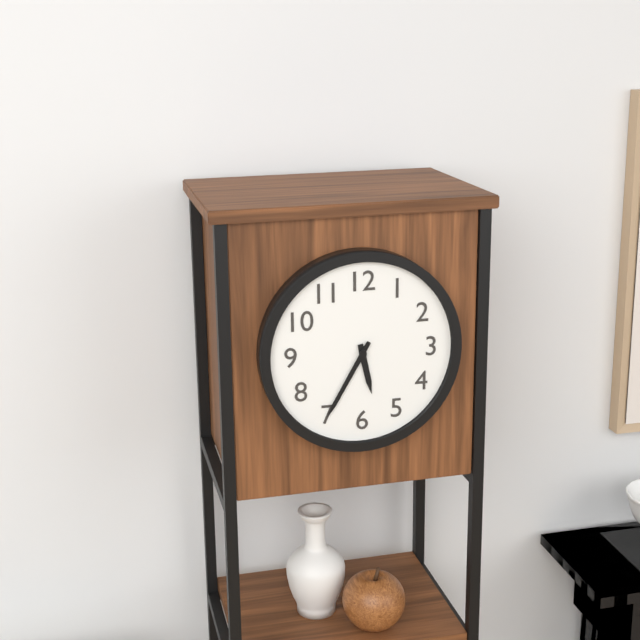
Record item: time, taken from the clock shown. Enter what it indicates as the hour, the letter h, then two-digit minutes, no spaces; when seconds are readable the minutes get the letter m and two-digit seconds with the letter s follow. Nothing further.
5h35
